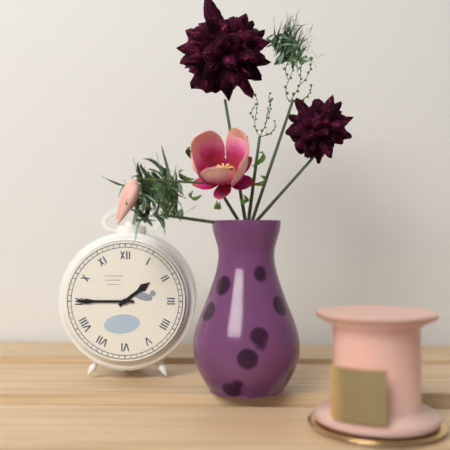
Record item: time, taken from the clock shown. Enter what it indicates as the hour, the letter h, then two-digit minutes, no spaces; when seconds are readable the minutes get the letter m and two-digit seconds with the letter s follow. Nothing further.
1h45
